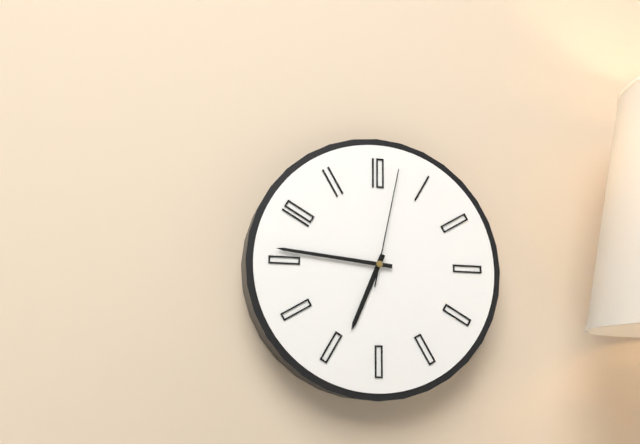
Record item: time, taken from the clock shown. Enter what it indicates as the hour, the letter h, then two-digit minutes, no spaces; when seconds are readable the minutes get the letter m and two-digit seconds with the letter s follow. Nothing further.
6h46m02s
